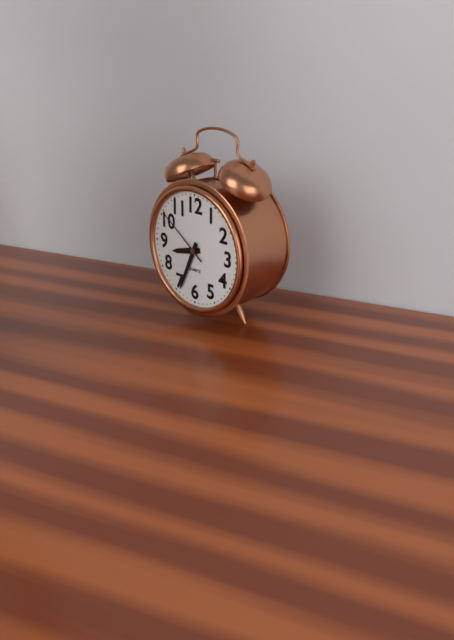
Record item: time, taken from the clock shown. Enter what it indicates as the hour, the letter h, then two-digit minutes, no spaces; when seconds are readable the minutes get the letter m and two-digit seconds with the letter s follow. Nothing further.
8h34m51s
